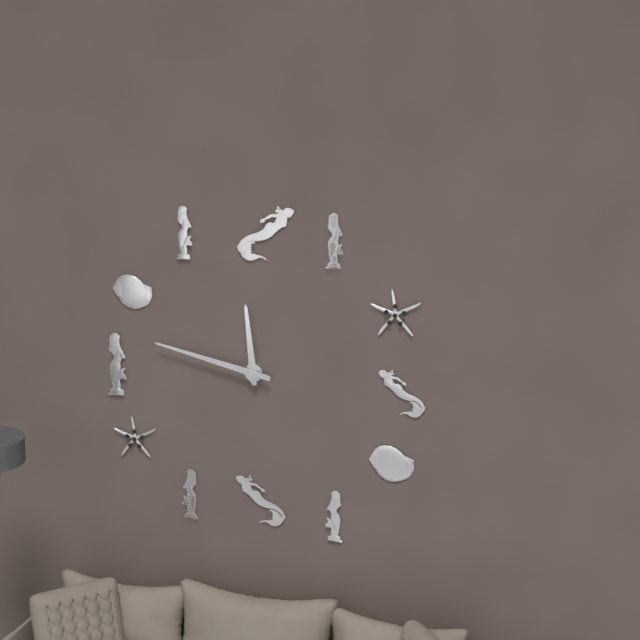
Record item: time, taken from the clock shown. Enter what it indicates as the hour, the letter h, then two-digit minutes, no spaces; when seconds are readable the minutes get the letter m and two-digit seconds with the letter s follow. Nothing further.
11h47
